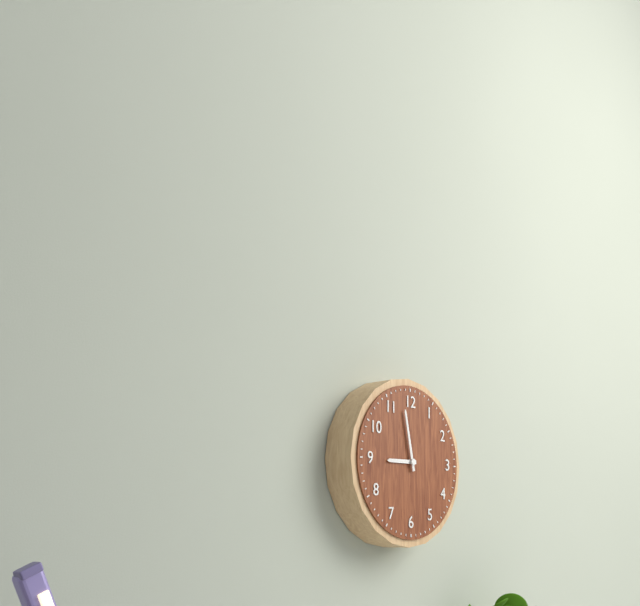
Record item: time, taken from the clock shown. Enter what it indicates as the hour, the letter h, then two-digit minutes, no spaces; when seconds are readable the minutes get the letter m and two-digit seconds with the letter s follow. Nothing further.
8h58
